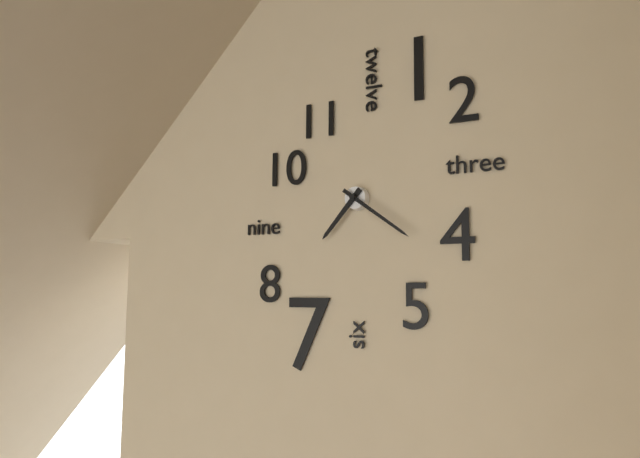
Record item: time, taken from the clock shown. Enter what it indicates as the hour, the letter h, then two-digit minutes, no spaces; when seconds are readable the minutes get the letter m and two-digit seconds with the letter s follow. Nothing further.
7h21
